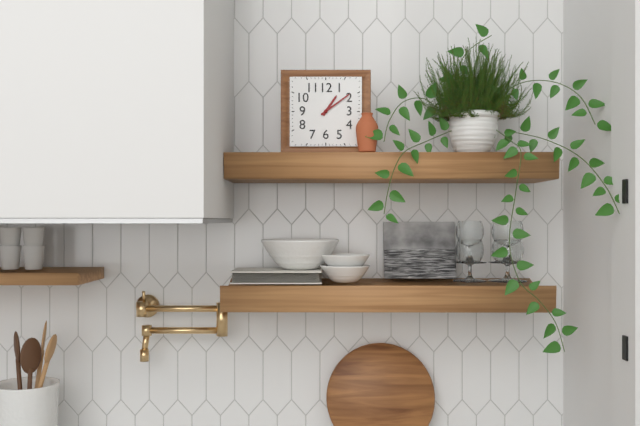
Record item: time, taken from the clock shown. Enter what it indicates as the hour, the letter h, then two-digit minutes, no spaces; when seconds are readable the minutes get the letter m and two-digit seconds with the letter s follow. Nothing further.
1h09
